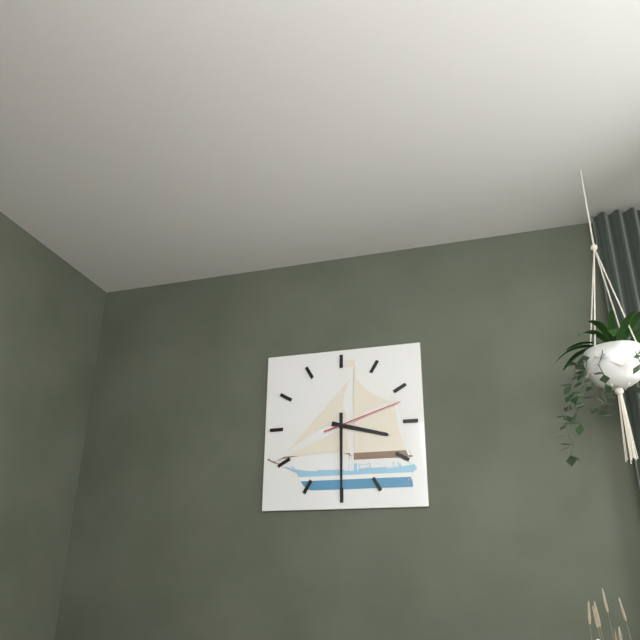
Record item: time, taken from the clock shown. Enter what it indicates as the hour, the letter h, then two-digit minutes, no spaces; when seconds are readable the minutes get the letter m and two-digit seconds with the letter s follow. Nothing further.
3h30m12s
